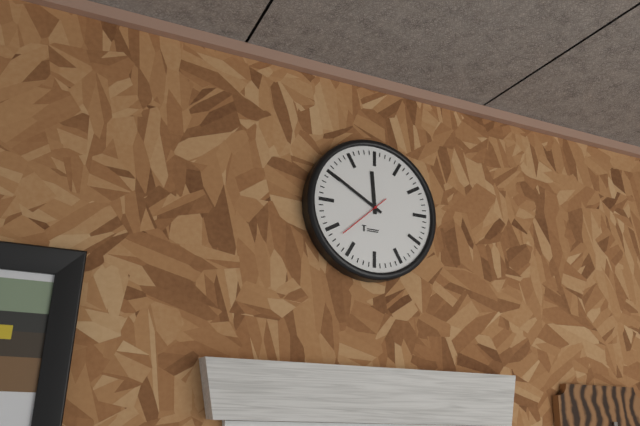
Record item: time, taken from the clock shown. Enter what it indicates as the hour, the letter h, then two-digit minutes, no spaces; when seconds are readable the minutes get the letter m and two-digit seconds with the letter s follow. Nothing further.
11h50m38s
